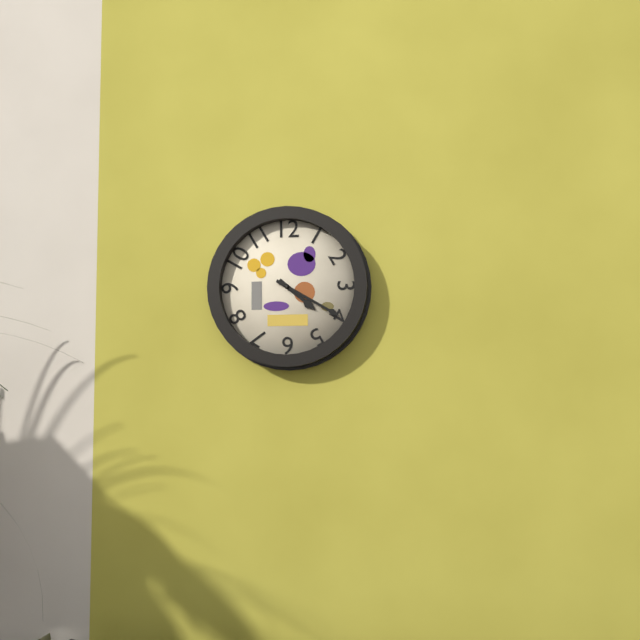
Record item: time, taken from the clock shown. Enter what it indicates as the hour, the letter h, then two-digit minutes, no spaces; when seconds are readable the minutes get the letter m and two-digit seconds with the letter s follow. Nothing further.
4h20
